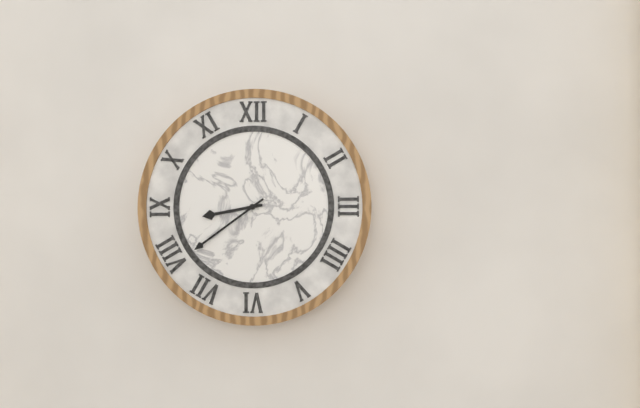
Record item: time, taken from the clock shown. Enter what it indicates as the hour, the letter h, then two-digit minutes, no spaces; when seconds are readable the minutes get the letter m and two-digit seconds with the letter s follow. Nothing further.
8h39
